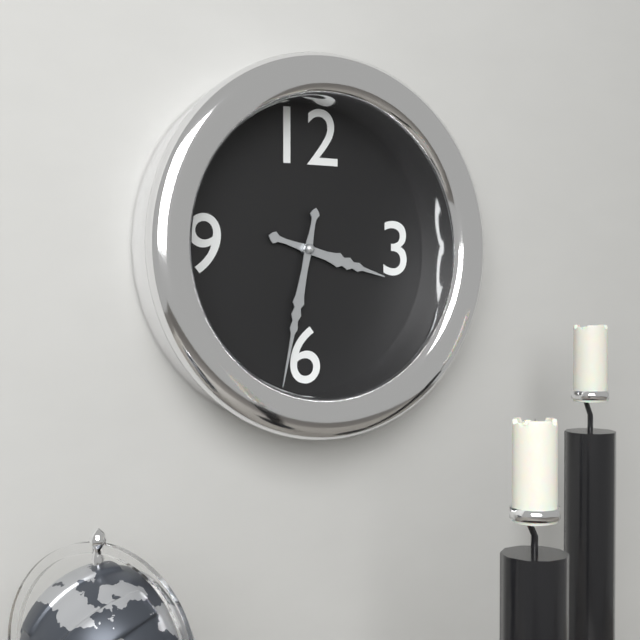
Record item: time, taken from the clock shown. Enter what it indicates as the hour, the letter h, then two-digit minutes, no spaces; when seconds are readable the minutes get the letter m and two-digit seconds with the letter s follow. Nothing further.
3h32
